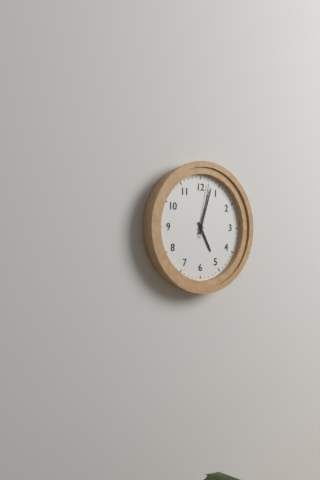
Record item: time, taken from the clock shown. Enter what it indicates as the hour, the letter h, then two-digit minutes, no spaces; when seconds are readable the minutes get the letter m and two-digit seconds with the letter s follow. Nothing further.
5h03m02s
